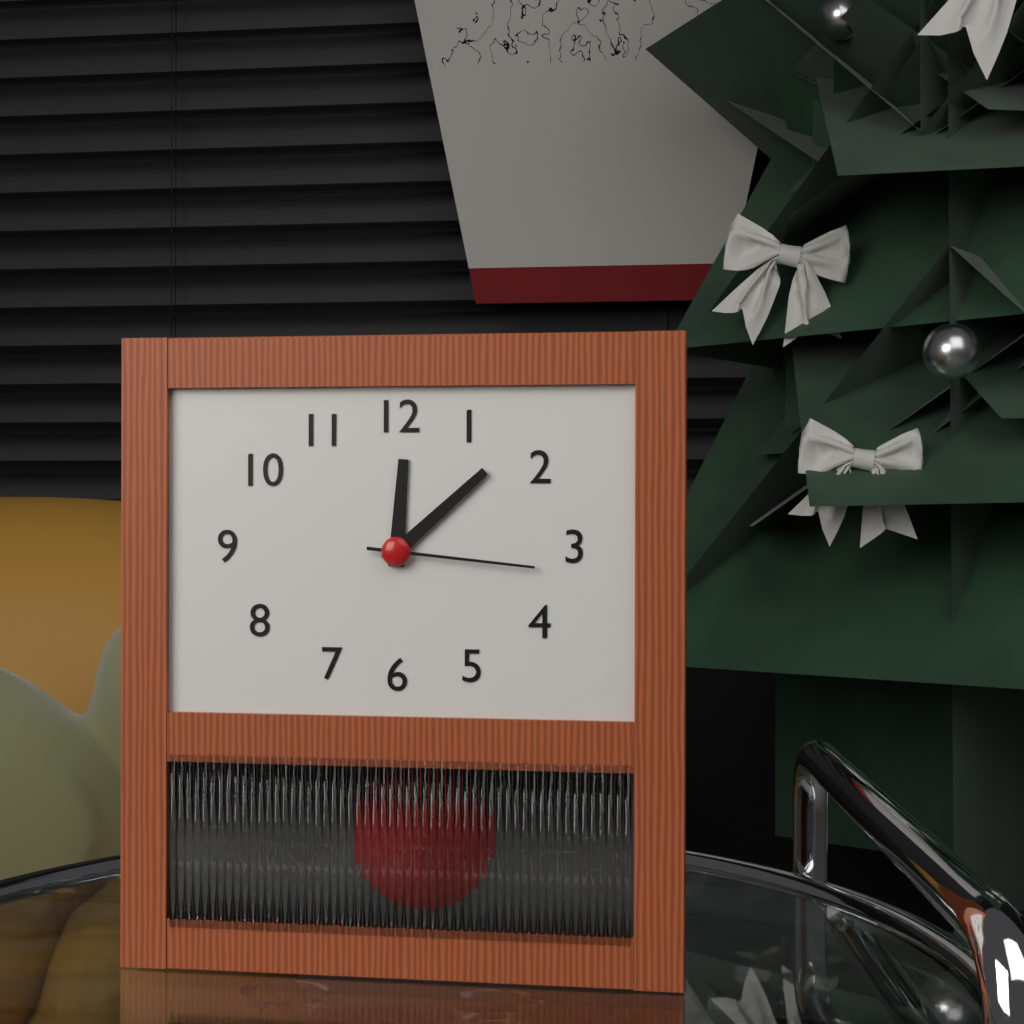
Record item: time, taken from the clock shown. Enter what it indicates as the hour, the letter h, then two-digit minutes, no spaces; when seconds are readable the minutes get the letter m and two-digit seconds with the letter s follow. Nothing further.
12h08m16s
